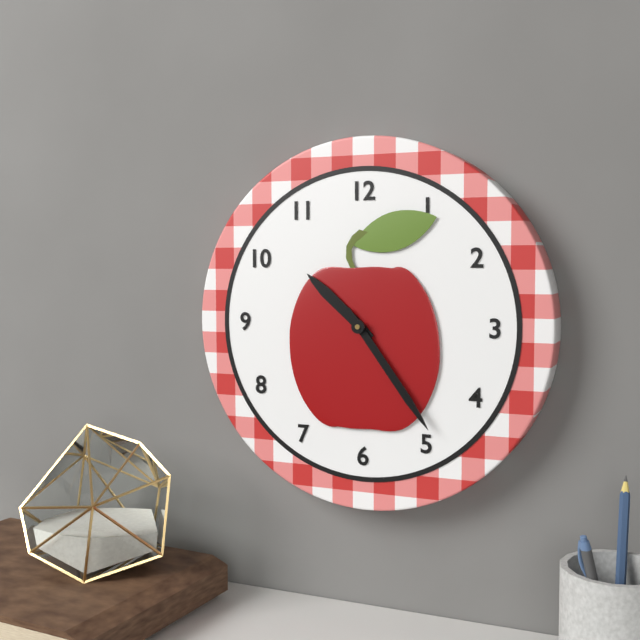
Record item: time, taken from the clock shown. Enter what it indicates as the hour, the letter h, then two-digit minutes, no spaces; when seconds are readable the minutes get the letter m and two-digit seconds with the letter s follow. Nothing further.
10h24
